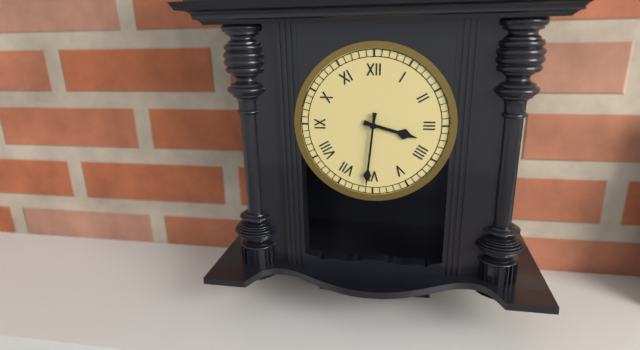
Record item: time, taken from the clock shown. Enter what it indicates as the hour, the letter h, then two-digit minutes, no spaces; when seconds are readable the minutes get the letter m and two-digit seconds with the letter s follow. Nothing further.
3h31
